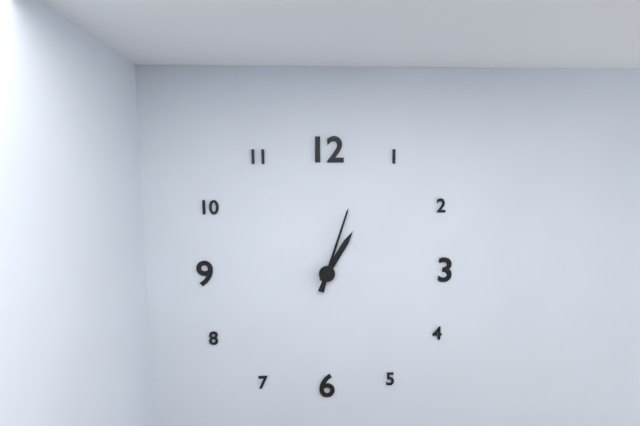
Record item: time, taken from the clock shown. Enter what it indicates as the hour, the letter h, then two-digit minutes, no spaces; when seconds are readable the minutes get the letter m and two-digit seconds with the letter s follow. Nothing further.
1h03
